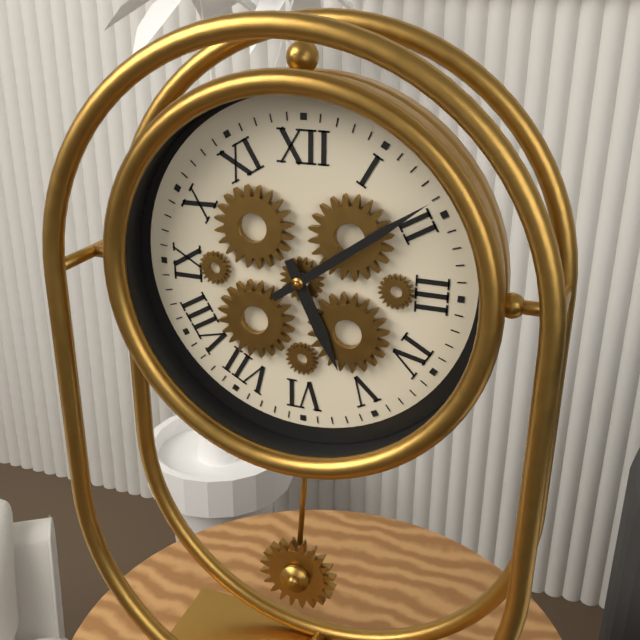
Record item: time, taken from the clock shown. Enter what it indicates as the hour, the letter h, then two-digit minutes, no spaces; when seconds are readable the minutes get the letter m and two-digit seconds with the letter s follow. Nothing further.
5h09
